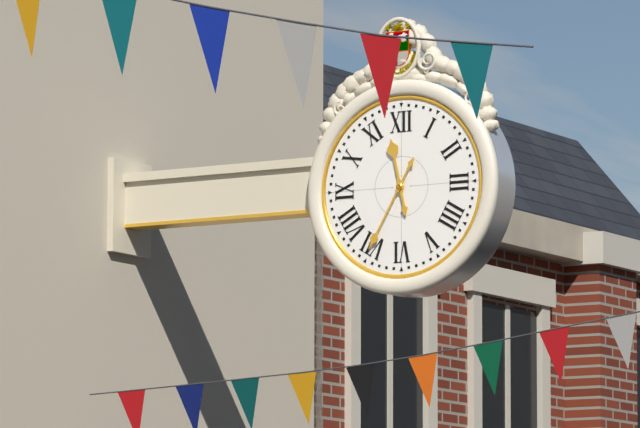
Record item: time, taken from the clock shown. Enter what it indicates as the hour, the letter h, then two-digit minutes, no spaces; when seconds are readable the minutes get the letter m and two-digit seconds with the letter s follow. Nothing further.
11h35
